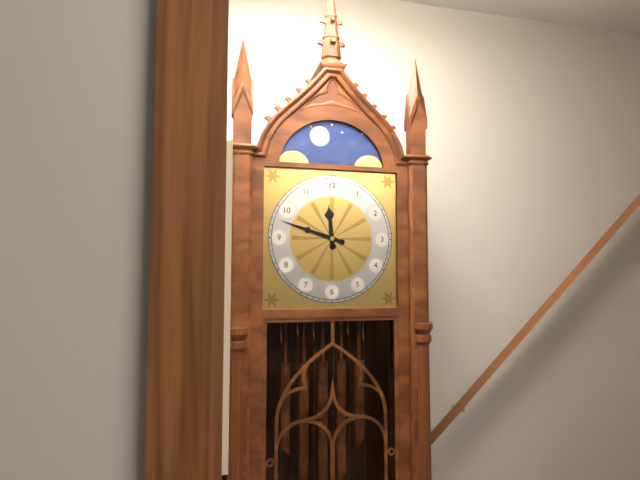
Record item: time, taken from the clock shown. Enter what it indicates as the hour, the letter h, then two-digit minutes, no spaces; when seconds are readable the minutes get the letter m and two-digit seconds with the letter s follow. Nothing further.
11h48
